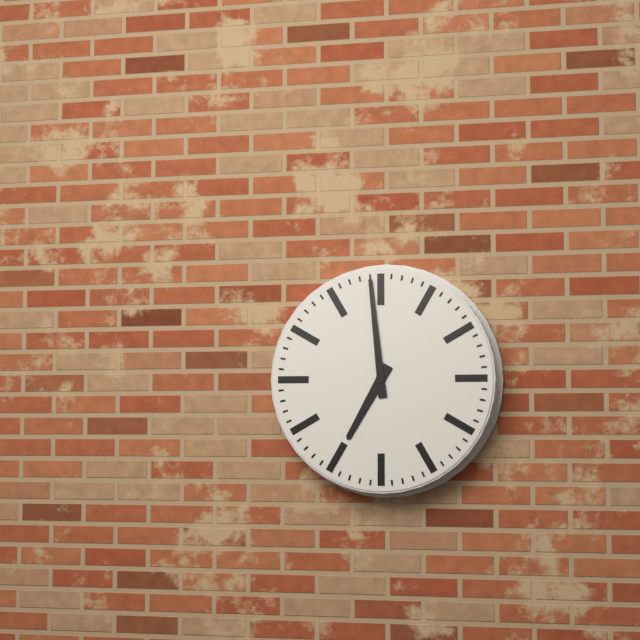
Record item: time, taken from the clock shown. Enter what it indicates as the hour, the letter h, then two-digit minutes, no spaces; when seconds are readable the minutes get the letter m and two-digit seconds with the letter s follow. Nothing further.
6h59
